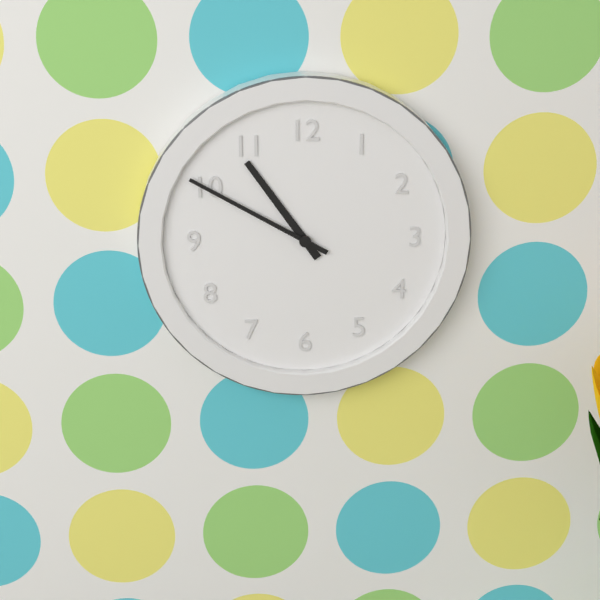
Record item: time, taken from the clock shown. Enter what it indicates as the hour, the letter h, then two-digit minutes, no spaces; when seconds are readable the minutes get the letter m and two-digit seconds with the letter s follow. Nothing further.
10h50
